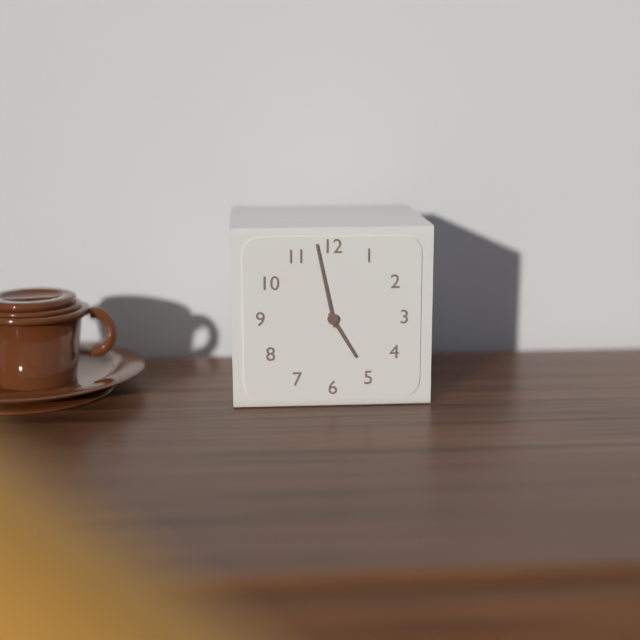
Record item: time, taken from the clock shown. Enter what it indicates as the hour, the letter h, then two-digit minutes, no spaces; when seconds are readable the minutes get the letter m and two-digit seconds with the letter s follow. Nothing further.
4h58
